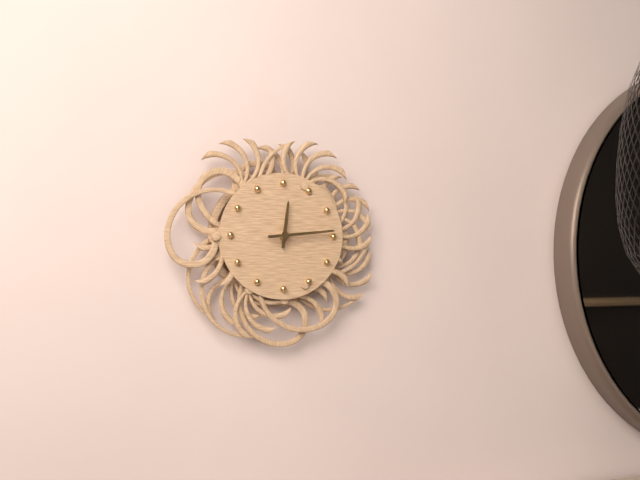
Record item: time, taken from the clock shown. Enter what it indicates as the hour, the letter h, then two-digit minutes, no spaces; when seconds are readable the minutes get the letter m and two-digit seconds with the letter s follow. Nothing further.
12h14
